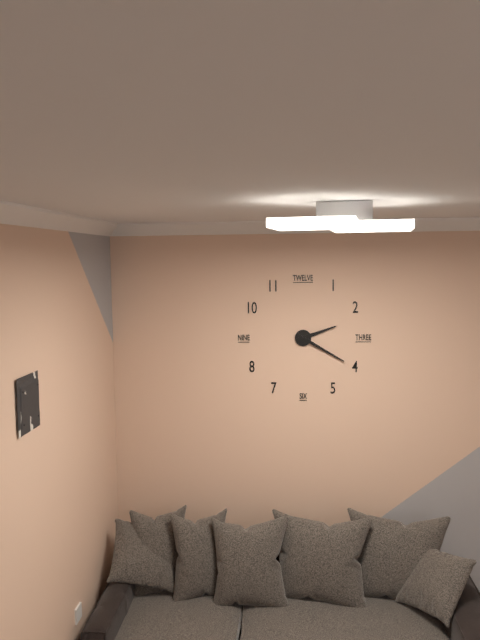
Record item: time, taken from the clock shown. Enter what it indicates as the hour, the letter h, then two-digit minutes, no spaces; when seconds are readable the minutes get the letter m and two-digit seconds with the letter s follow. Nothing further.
2h20
